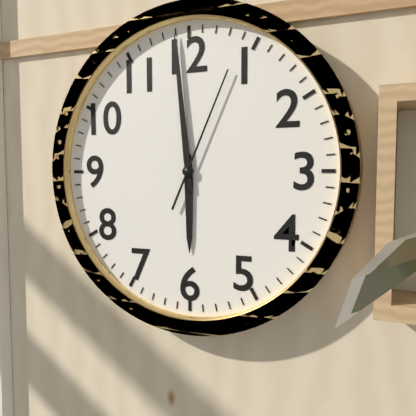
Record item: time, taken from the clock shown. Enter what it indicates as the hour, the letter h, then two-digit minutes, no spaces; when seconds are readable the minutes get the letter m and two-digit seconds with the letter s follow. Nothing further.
5h59m04s
